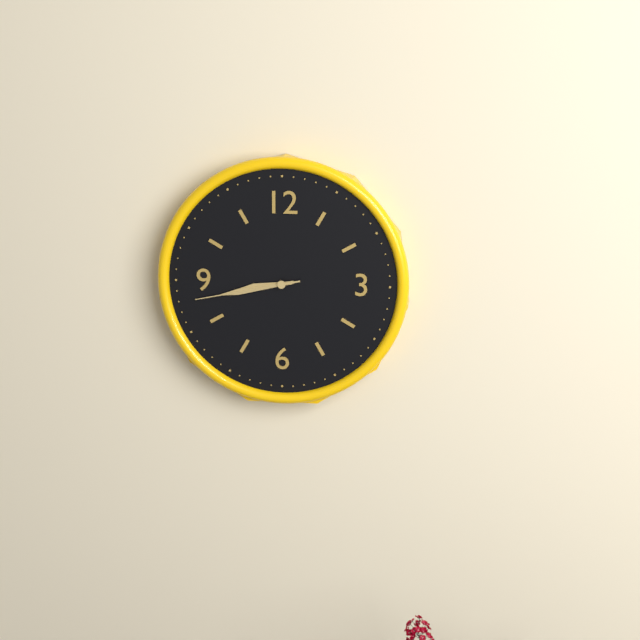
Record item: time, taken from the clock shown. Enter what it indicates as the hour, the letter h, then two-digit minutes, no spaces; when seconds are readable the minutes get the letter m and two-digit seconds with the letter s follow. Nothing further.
8h43m43s
